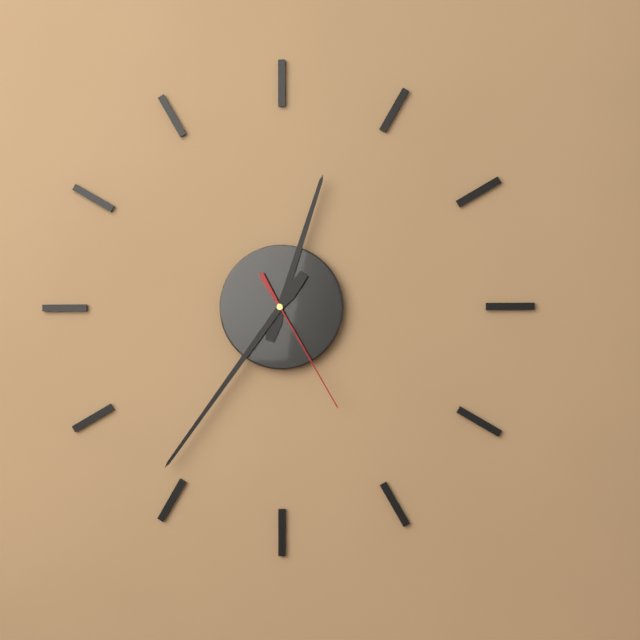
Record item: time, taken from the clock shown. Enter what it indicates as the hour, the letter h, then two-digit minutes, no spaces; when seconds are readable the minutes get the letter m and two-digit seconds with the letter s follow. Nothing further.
12h36m25s
